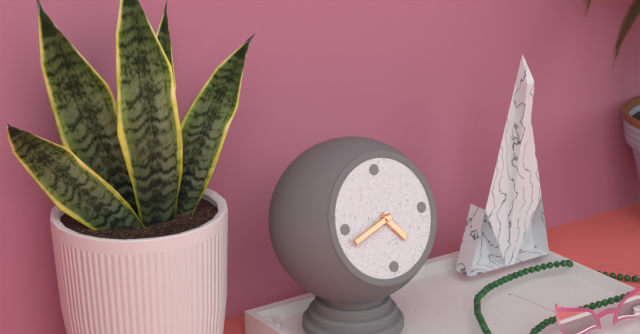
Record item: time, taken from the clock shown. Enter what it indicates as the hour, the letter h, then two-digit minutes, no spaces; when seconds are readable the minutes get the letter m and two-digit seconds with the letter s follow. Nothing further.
4h42
